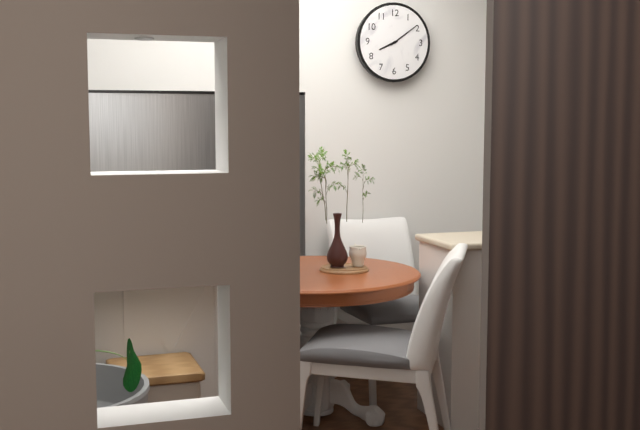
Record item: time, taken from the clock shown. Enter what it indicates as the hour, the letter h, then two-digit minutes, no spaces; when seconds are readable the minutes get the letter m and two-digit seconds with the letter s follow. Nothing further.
8h09
